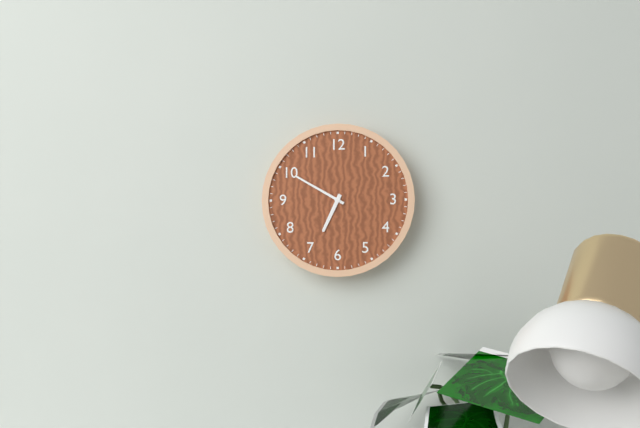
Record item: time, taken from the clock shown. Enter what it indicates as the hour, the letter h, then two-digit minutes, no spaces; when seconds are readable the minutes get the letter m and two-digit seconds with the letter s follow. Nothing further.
6h50
